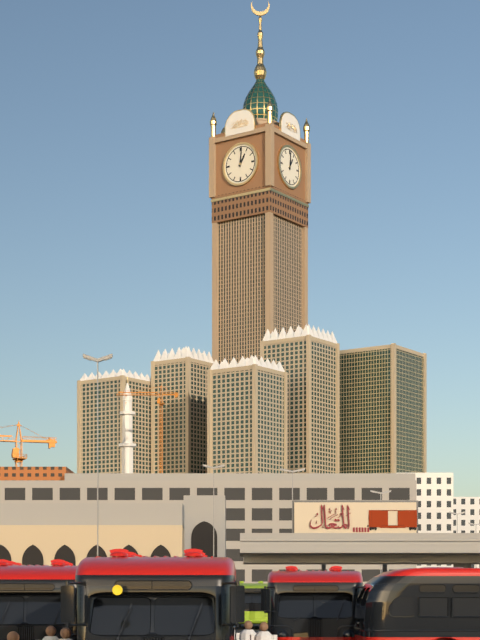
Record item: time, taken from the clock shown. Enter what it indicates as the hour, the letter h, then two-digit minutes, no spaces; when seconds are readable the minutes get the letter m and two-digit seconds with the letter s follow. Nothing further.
1h01
